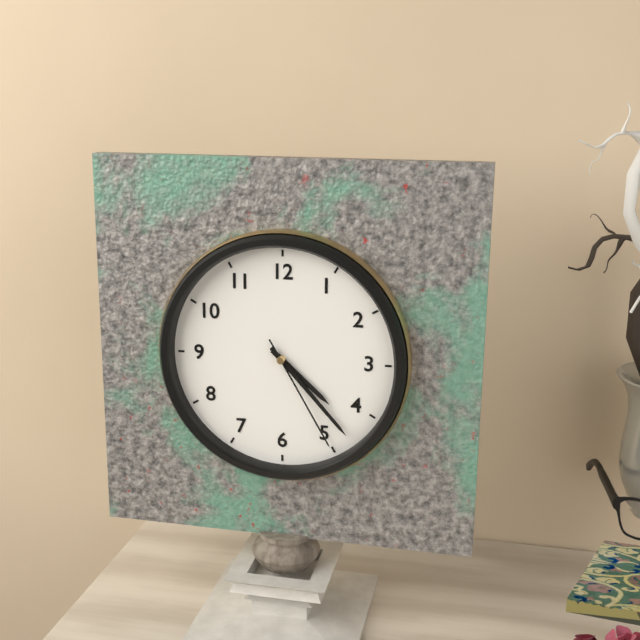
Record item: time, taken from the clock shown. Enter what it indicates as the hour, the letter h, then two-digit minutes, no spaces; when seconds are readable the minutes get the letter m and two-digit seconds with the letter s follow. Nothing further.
4h23m25s
